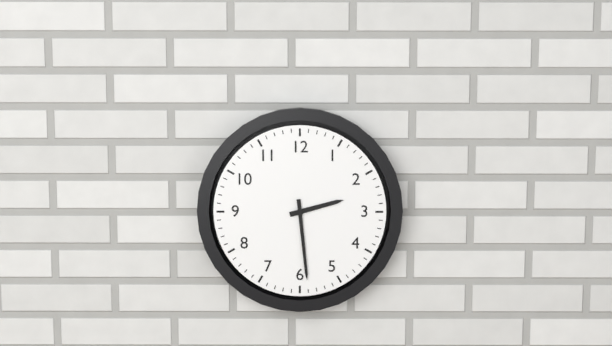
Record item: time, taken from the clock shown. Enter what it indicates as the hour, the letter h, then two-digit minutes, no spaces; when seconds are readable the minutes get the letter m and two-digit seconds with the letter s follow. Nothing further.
2h29
